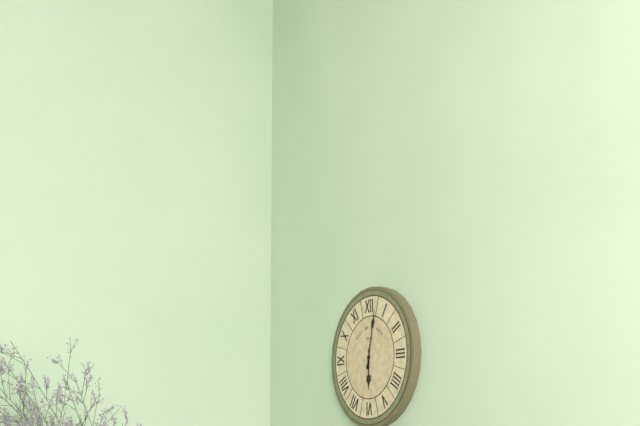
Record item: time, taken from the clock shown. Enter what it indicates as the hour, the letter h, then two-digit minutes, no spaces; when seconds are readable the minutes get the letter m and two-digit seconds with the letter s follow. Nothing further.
6h02
